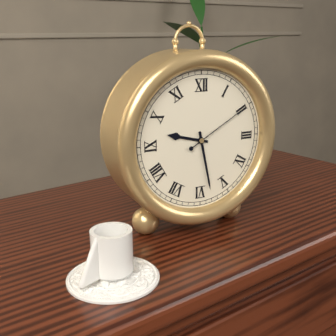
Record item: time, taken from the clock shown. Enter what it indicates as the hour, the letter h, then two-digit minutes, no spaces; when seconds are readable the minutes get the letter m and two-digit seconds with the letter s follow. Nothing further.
9h28m10s
